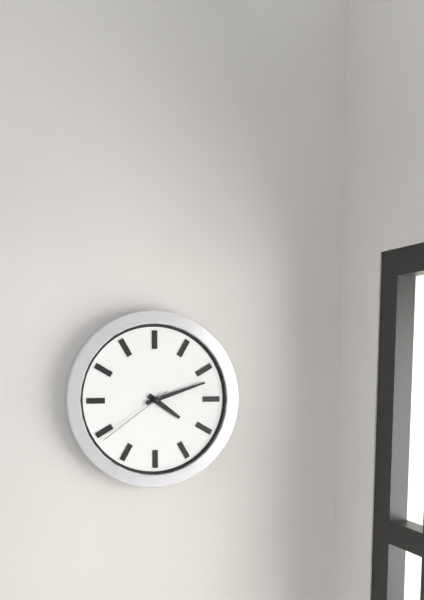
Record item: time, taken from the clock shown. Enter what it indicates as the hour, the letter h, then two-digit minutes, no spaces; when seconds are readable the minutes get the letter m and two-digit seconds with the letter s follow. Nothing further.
4h12m39s
